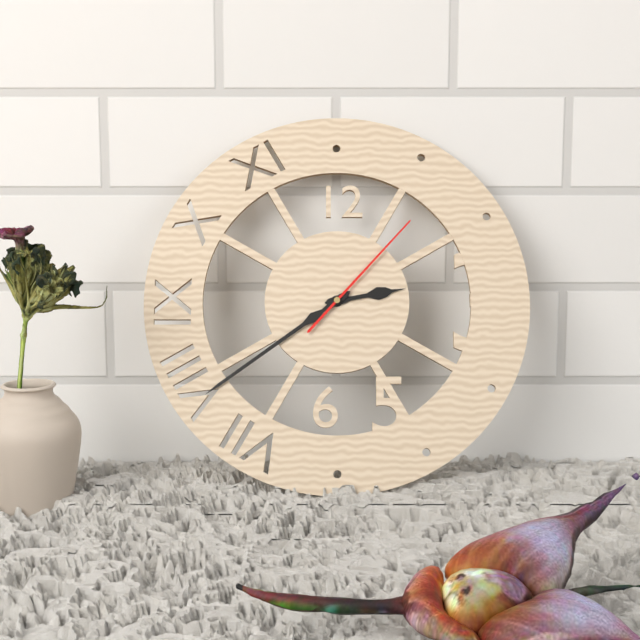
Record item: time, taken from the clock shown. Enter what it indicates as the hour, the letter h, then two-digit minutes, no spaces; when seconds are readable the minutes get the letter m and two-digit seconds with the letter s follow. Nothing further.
2h39m07s
